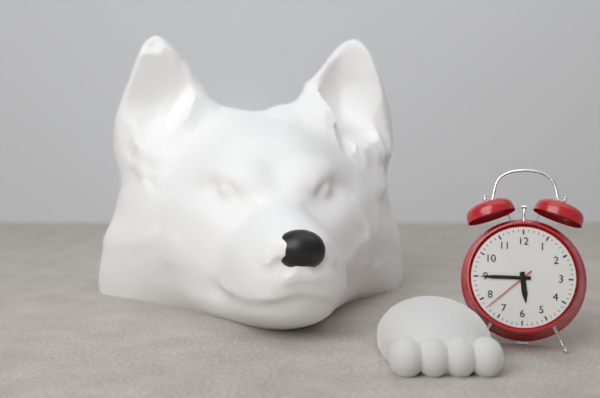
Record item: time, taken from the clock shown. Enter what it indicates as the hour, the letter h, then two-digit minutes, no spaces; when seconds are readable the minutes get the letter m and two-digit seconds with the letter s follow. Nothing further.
5h45m38s
